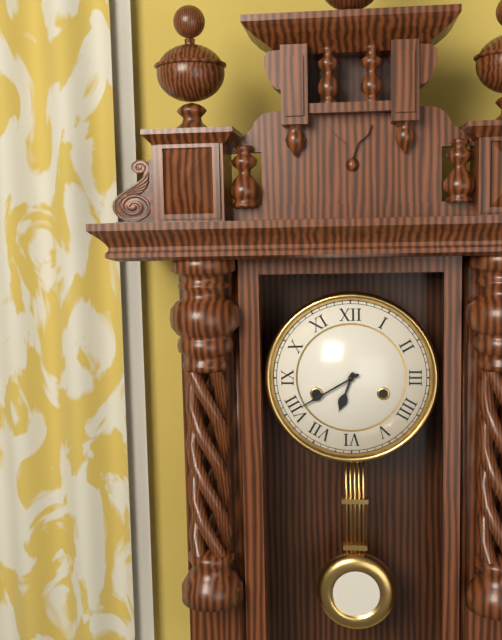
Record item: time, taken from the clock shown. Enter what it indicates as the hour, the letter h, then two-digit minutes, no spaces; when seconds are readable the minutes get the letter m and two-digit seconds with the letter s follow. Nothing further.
6h40
